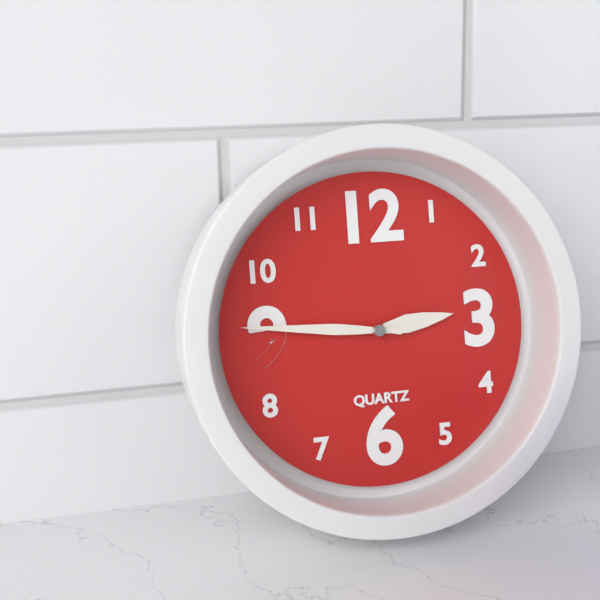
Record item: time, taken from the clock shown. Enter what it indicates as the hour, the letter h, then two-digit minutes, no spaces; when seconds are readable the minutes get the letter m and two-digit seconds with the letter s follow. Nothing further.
2h46
